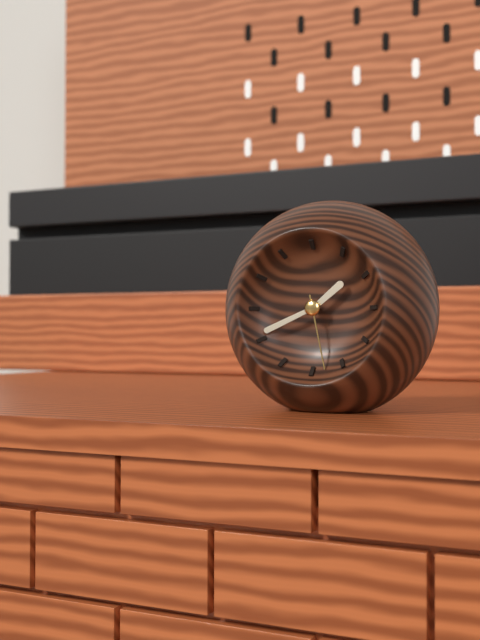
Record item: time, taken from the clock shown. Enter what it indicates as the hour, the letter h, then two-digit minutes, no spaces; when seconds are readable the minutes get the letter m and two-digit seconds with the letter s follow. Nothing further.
1h41m28s
